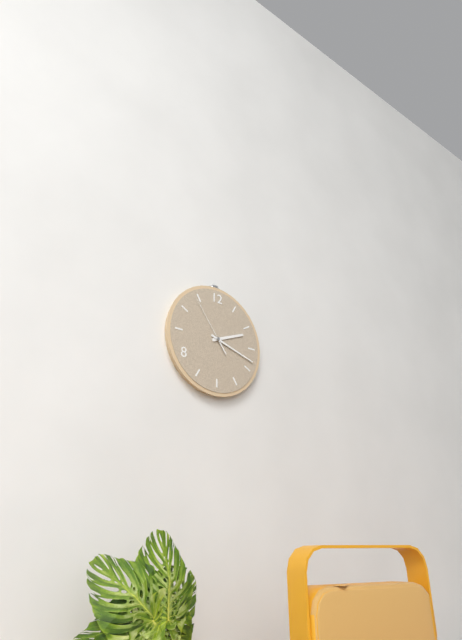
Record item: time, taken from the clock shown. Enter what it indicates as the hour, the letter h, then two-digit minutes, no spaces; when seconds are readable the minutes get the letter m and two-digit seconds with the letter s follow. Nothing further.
2h18m54s
